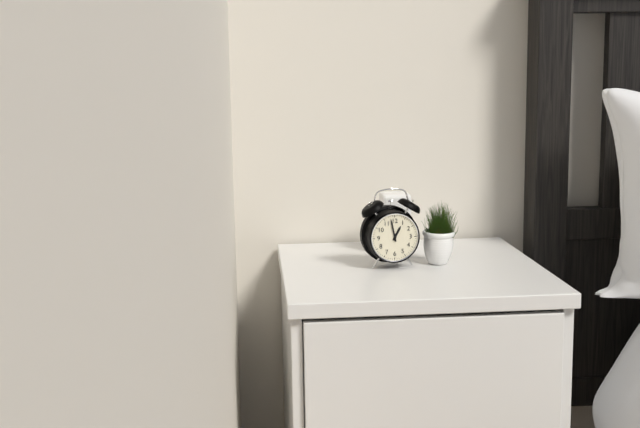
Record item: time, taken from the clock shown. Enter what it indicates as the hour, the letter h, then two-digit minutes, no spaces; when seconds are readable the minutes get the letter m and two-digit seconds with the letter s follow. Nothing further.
12h58
